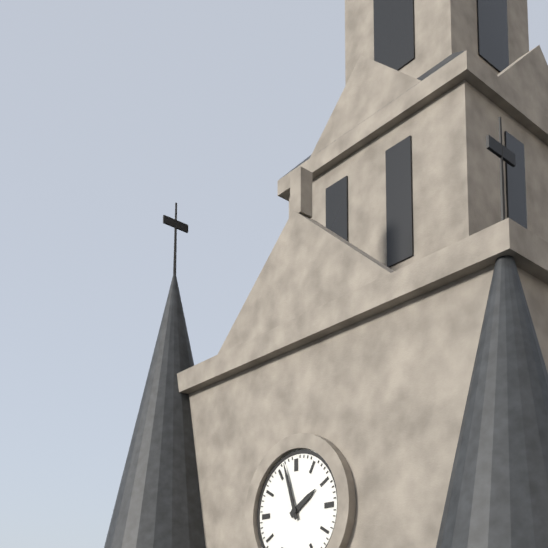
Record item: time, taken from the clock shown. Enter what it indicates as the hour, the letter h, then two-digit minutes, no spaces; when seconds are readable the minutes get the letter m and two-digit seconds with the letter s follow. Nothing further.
1h57
